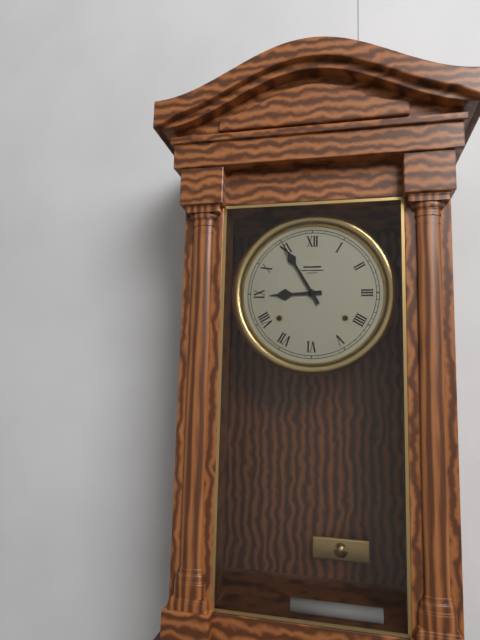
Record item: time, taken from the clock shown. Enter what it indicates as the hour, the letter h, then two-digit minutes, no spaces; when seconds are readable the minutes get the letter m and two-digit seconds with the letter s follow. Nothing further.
8h55
